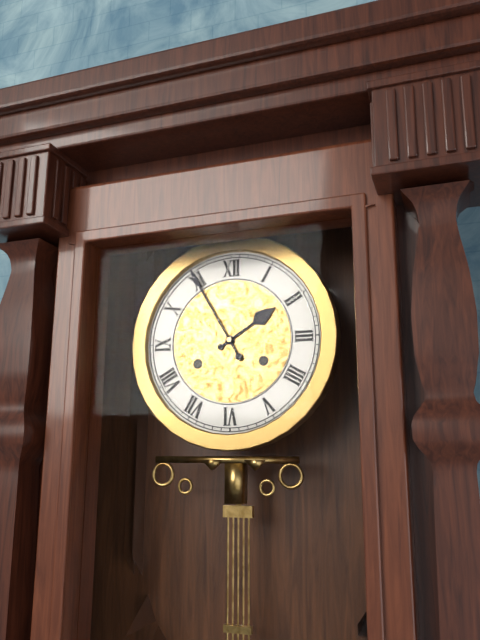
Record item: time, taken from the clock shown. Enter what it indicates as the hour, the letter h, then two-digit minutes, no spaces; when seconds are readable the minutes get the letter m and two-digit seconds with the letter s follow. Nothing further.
1h55
